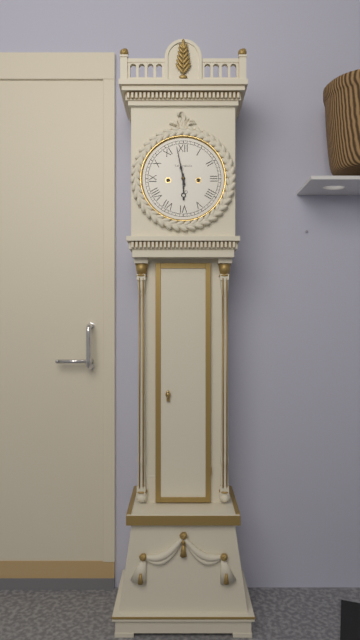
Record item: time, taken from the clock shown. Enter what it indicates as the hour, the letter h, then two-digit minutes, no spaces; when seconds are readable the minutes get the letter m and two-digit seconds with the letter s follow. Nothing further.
5h58
